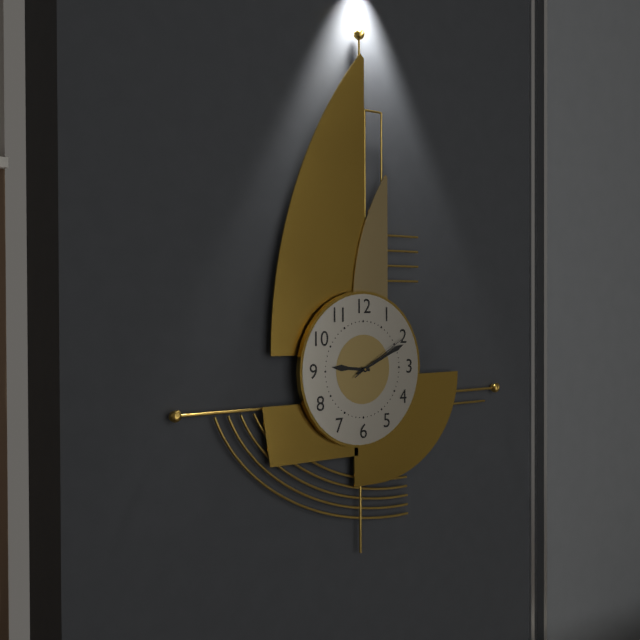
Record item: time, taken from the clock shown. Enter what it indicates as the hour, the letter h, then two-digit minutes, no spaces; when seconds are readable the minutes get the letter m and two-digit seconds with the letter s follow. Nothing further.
9h11m10s
